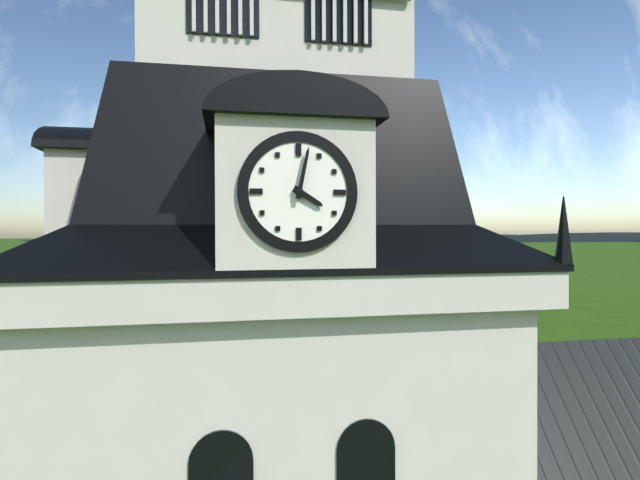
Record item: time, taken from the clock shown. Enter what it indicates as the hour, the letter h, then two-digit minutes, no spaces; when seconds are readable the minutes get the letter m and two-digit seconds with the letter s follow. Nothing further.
4h02
